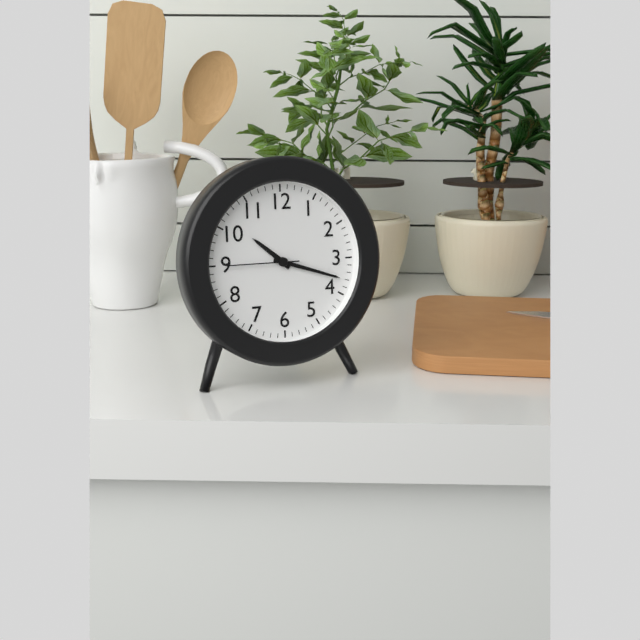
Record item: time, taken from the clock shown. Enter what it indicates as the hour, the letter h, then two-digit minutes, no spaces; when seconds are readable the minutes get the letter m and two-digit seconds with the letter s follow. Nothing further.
10h18m45s
